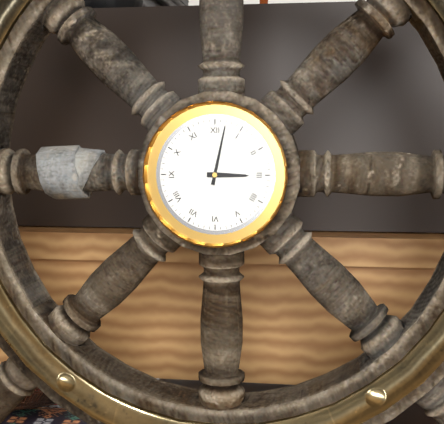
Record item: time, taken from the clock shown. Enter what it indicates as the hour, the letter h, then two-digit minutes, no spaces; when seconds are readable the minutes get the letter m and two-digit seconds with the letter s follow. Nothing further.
3h02
